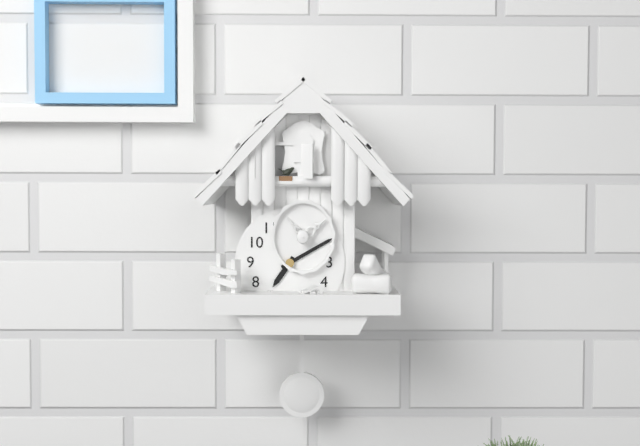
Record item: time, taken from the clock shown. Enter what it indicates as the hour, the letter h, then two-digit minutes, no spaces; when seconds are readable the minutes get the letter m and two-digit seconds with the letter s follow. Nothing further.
7h10
